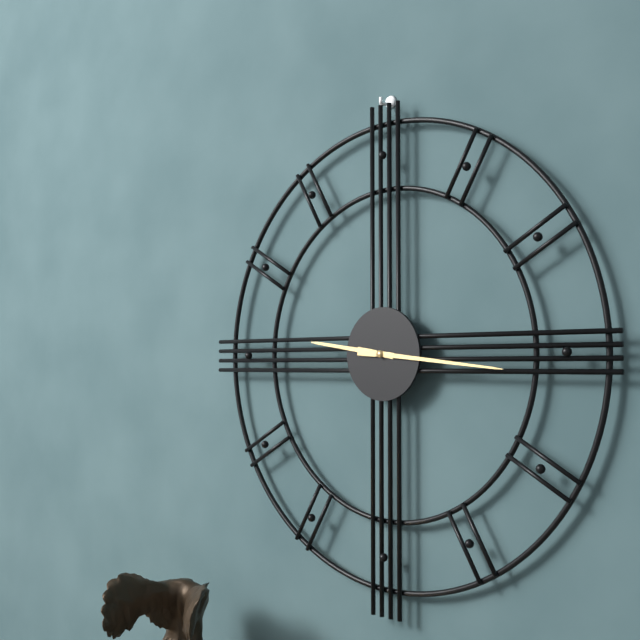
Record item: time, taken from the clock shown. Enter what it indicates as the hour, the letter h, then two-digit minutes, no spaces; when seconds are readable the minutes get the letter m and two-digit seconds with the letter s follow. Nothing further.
9h16
